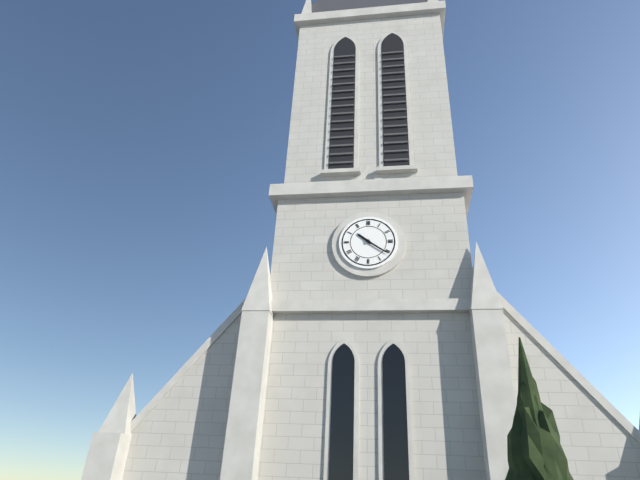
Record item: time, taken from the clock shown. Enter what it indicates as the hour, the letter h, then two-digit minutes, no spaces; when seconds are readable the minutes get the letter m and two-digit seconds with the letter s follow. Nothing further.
10h21
